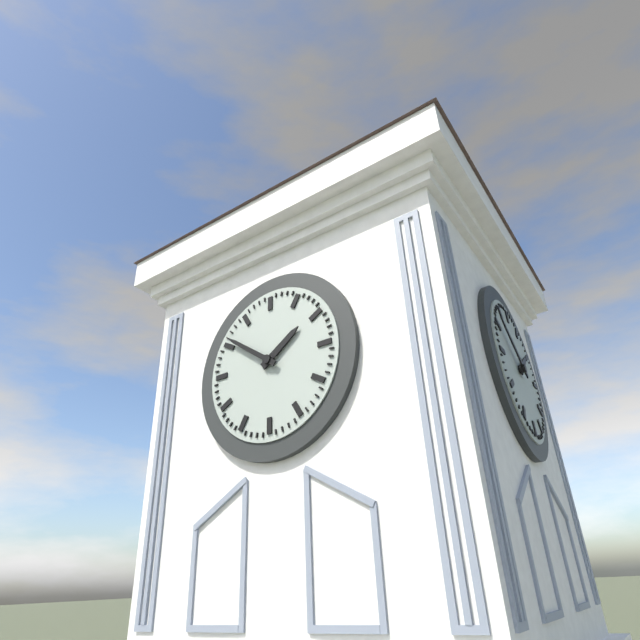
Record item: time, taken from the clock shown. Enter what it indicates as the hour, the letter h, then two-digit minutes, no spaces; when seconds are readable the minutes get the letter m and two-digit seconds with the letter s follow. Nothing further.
1h51
